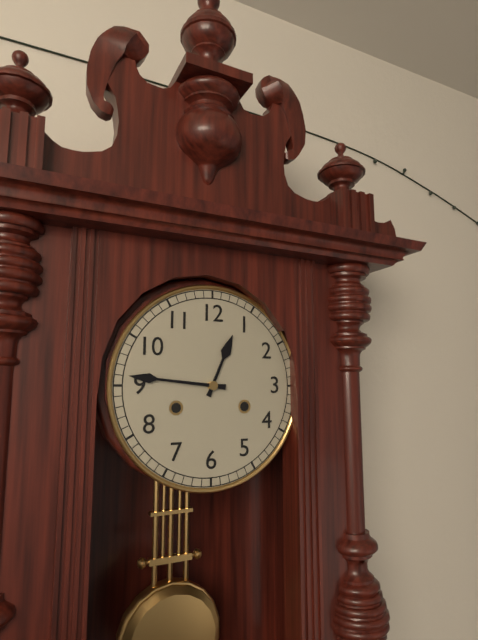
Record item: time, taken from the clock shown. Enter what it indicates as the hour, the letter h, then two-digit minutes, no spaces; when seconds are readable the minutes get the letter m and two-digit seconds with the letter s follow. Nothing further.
12h46
